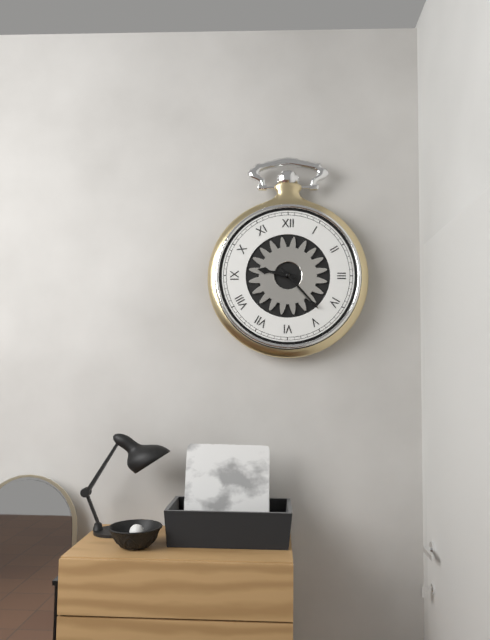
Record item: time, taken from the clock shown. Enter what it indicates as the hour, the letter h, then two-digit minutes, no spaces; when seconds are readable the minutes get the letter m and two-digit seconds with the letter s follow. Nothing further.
9h23
